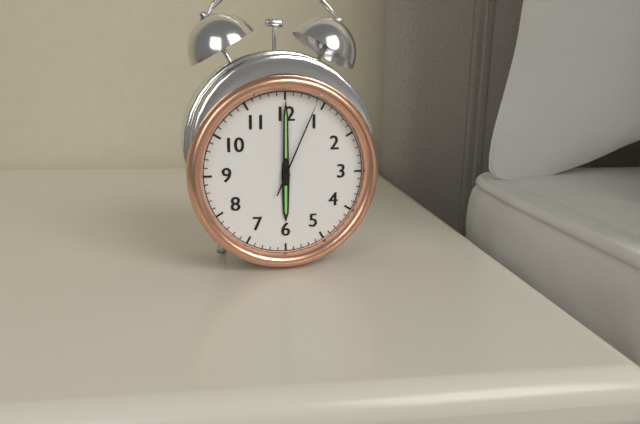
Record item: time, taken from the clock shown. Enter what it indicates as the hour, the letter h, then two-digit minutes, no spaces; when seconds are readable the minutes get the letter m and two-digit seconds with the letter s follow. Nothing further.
6h00m04s
